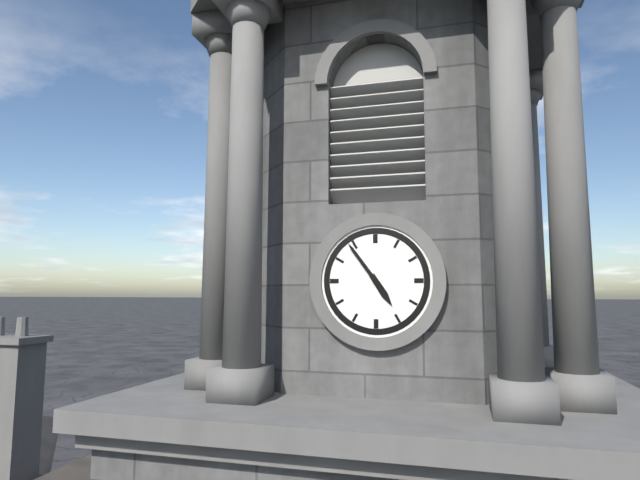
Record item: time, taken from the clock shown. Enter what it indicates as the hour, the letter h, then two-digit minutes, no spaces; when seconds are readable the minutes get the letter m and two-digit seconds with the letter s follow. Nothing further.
4h54
